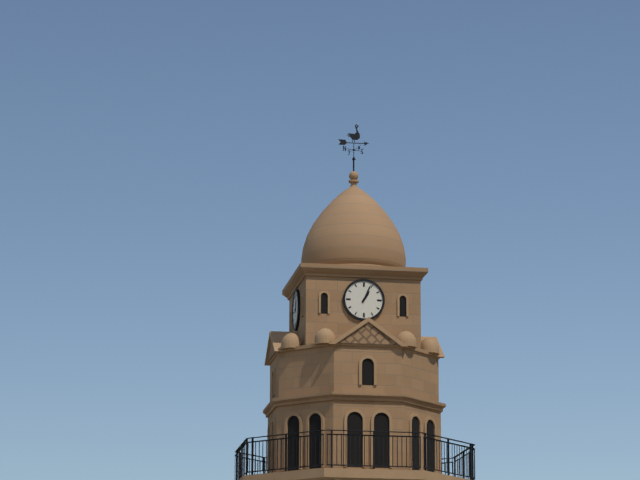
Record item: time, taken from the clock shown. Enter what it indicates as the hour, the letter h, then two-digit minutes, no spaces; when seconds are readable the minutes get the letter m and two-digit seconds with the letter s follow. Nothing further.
1h04
